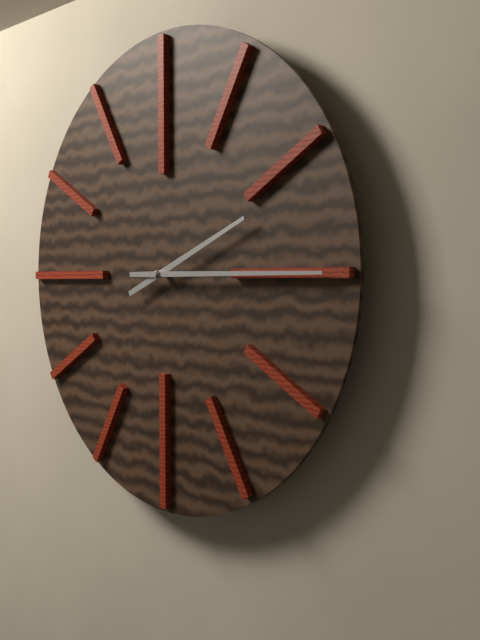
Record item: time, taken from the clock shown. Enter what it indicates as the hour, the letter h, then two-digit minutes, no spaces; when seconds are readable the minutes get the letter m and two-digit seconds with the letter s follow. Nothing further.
2h15
